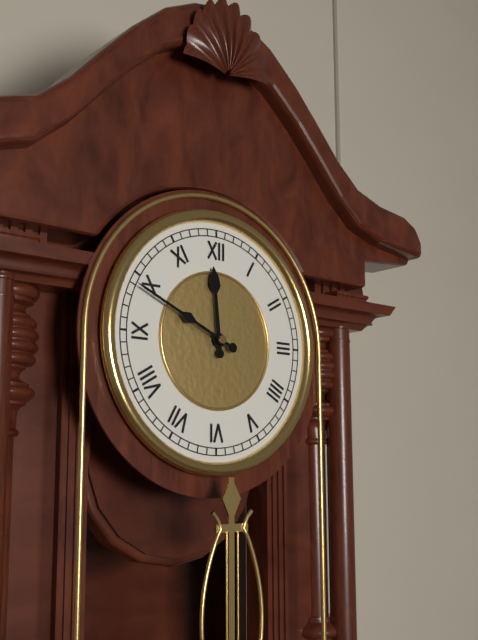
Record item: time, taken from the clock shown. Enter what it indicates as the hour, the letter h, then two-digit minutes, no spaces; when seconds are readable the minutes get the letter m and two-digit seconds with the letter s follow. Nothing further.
11h49
